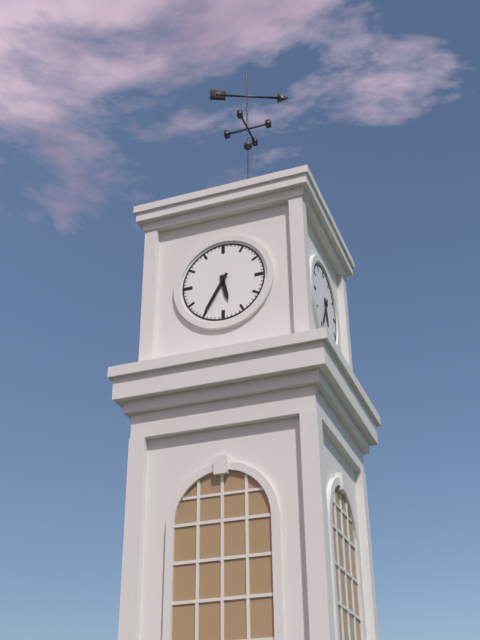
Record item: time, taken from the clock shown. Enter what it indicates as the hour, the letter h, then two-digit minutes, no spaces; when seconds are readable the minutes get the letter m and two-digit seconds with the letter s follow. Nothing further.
5h35
